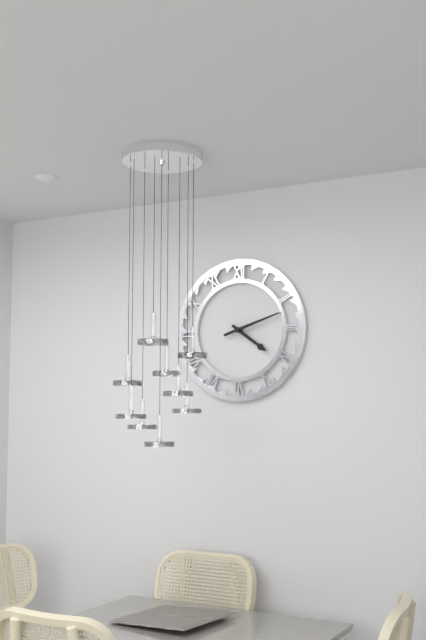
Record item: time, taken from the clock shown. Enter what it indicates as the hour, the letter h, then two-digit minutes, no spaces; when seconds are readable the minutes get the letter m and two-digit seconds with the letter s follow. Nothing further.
4h12
